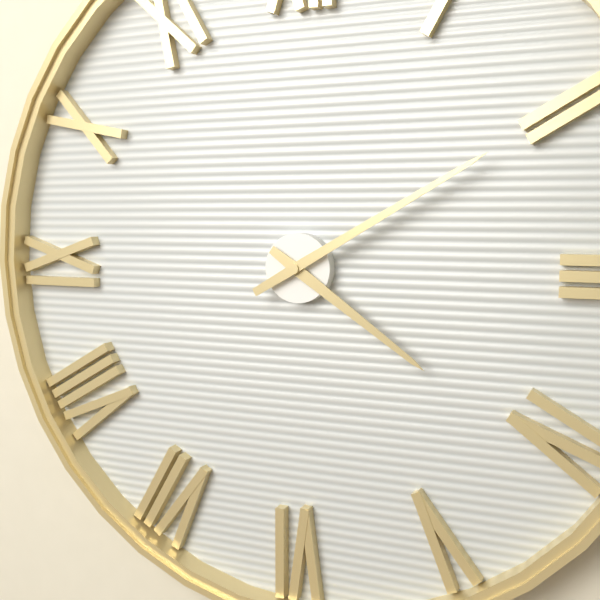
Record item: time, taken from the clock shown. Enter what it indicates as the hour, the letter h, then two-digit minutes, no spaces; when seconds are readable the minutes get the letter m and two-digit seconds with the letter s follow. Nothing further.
4h10
